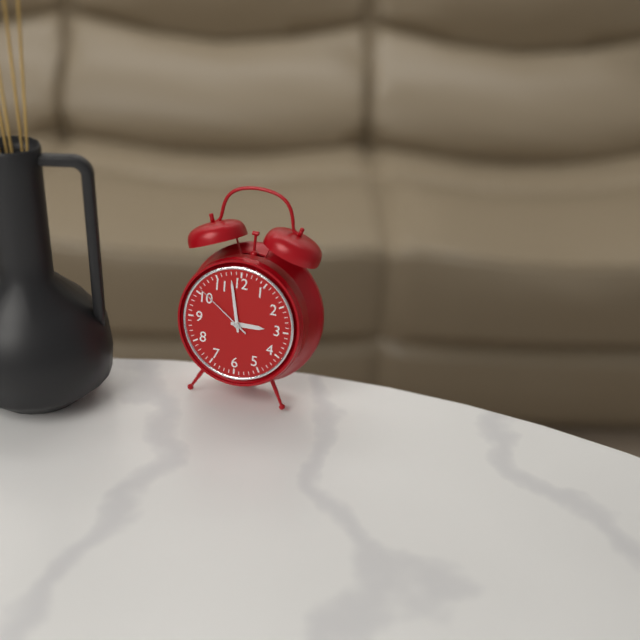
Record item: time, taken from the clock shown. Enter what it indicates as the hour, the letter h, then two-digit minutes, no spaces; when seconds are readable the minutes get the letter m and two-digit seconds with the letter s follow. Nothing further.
2h58m51s
